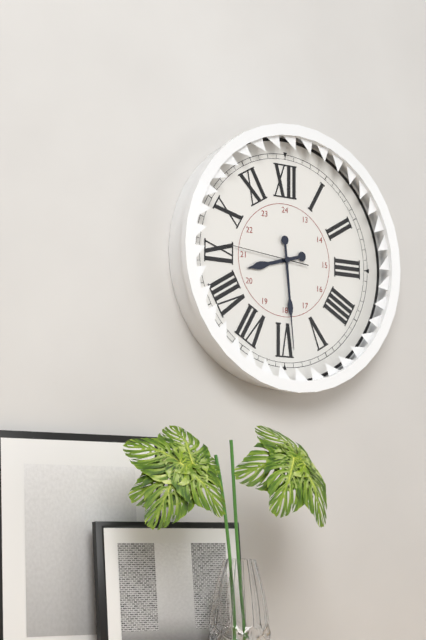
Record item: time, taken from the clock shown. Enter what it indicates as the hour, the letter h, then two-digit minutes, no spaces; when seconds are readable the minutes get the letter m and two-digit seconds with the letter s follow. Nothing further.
8h29m46s
